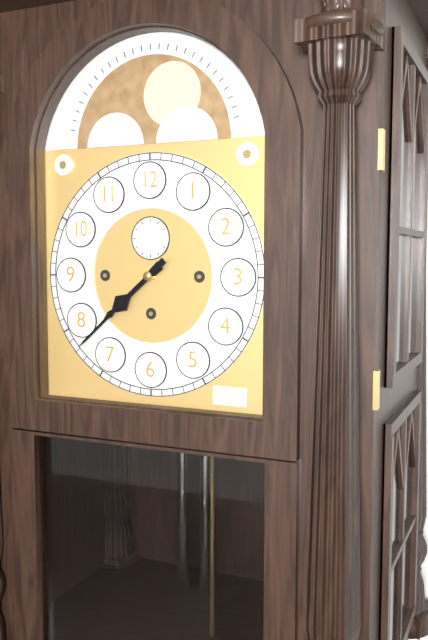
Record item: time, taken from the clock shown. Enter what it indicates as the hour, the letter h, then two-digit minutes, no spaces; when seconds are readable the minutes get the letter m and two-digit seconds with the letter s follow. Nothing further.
7h38
